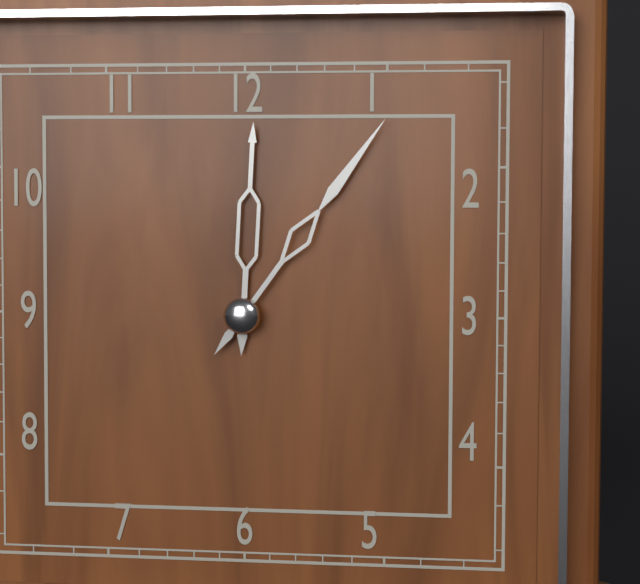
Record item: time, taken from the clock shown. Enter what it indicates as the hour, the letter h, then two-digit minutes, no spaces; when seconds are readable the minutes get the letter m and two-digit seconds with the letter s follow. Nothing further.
12h06
